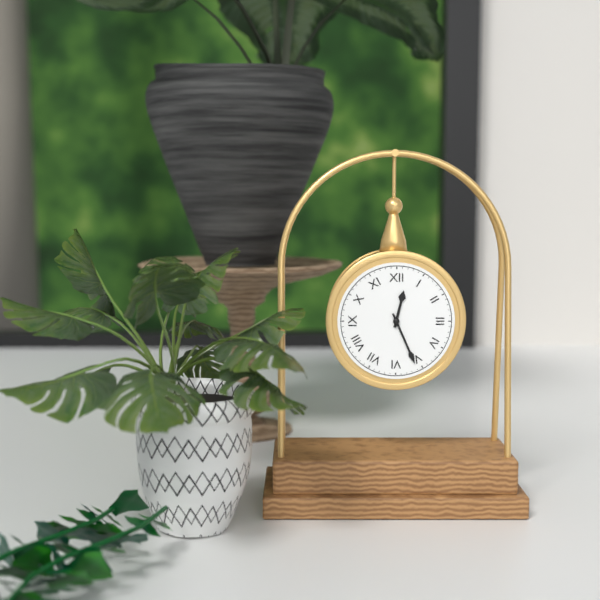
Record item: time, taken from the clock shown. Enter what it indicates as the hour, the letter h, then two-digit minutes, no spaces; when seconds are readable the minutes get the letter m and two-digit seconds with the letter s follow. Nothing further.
12h26
